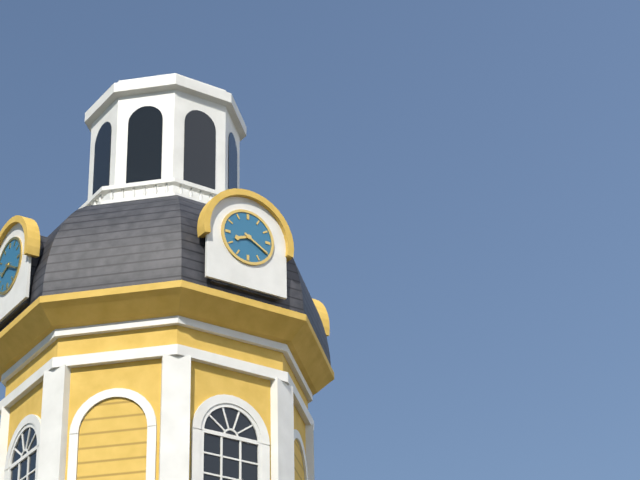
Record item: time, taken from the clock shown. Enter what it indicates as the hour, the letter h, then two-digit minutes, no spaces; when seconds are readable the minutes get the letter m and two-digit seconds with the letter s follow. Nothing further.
8h20
